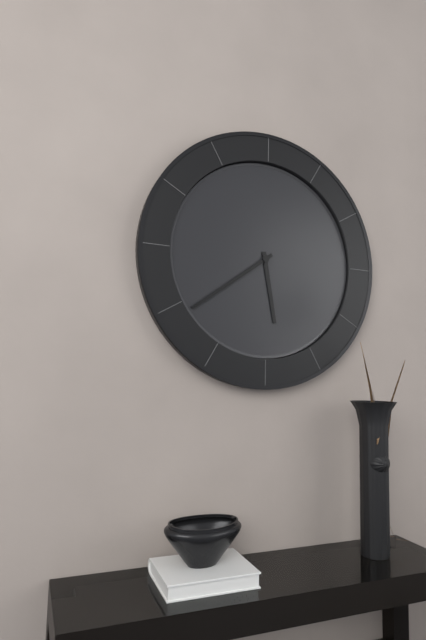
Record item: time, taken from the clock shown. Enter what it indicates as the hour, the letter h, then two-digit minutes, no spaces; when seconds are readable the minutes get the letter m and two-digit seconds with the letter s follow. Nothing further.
5h39
